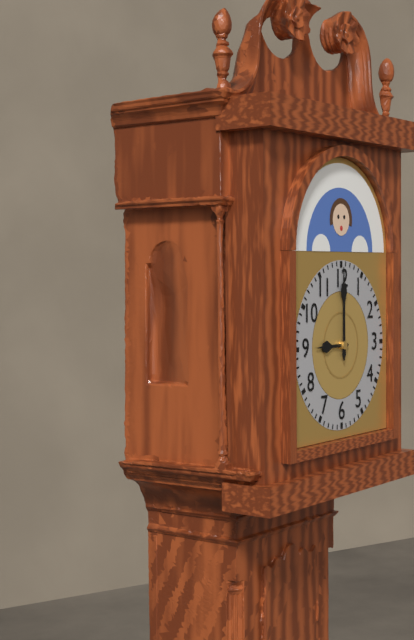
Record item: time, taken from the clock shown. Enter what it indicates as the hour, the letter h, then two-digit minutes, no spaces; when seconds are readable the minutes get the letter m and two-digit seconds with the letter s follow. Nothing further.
9h00
